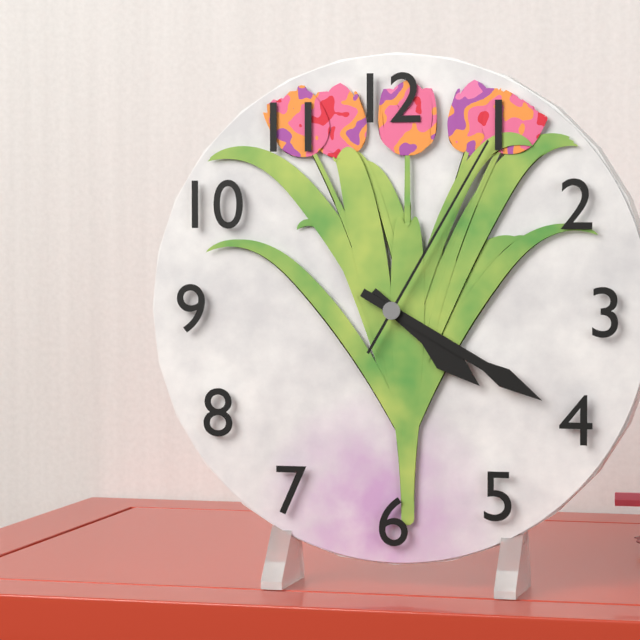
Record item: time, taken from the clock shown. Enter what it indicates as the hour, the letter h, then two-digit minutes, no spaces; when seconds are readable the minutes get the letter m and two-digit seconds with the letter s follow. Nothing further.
4h20m05s
